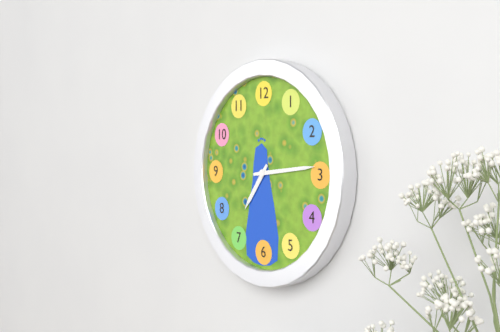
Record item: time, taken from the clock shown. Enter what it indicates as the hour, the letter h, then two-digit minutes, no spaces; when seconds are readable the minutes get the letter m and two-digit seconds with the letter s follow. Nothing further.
7h14
